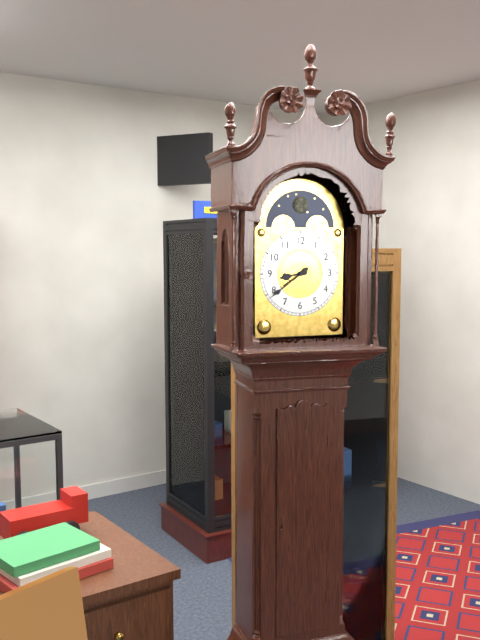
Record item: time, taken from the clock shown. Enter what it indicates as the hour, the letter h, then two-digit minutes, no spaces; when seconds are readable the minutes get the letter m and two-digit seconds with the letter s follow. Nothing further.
8h39
